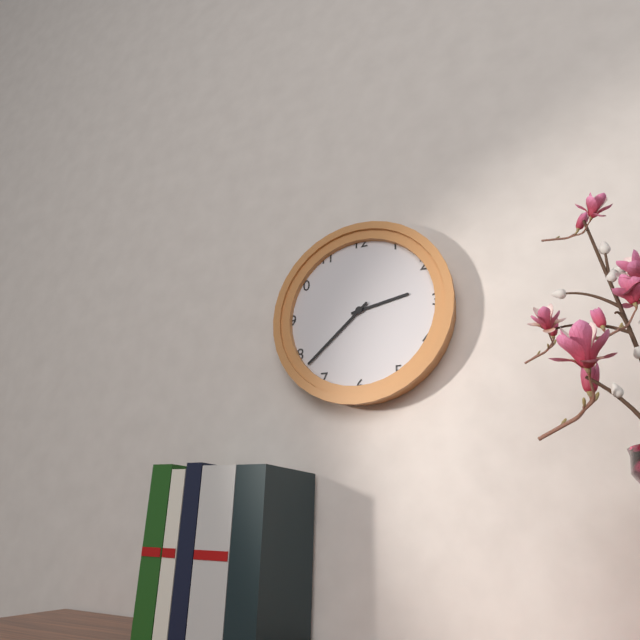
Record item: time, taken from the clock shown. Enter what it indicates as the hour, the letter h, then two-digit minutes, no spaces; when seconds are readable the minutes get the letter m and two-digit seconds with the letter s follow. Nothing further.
2h38
